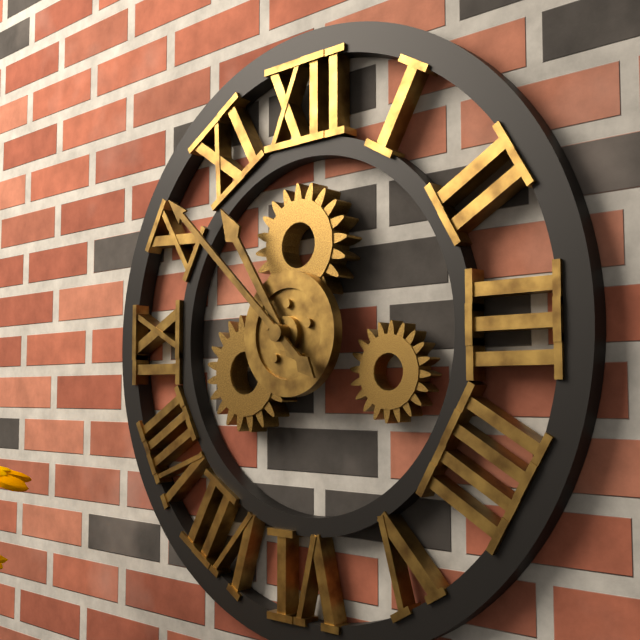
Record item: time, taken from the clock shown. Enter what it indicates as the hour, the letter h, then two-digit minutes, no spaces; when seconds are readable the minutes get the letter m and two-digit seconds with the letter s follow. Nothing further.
10h52
